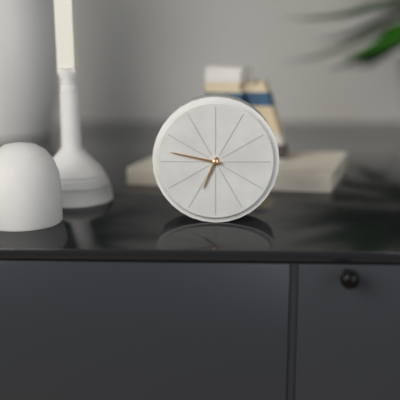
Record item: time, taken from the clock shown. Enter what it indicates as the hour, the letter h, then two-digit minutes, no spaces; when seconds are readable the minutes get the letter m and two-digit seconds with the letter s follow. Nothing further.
6h47
